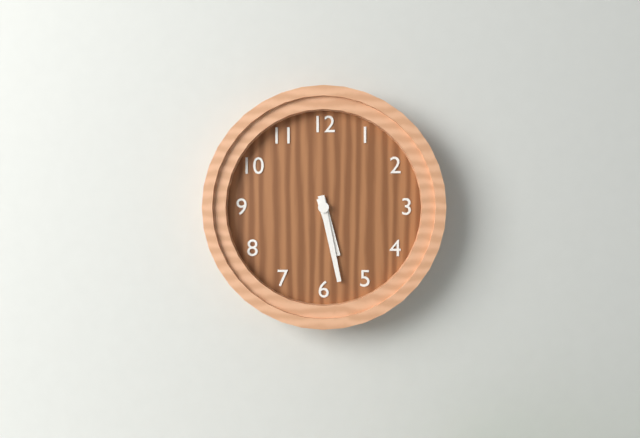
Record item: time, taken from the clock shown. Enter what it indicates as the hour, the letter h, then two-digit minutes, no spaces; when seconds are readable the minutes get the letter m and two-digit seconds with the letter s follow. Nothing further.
5h28
